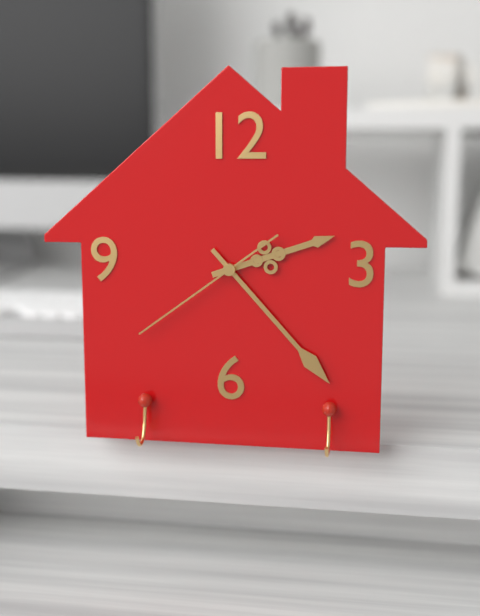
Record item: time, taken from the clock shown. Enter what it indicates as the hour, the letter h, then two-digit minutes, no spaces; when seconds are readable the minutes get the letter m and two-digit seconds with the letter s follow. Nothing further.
2h23m39s
